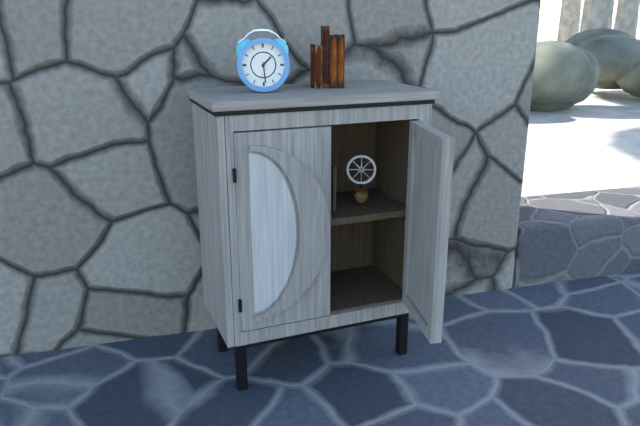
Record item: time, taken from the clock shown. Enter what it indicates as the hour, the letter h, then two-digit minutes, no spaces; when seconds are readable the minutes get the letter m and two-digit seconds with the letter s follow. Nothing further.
1h29
